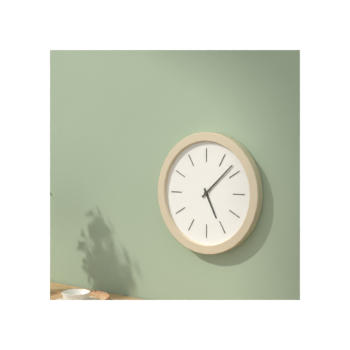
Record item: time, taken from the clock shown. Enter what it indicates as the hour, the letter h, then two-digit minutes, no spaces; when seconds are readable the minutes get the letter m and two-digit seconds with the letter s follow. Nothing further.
5h08
